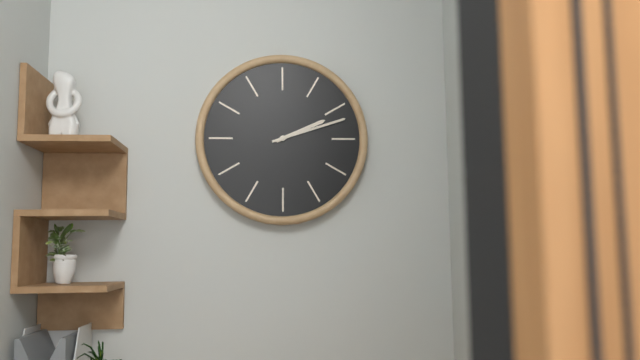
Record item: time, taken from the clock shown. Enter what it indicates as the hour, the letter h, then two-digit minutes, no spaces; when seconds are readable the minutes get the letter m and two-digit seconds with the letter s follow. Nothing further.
2h12
